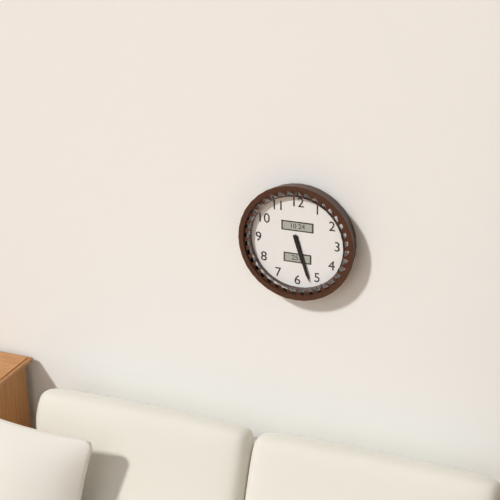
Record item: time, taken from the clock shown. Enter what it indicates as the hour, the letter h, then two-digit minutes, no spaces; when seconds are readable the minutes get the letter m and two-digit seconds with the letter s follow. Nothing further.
5h27
